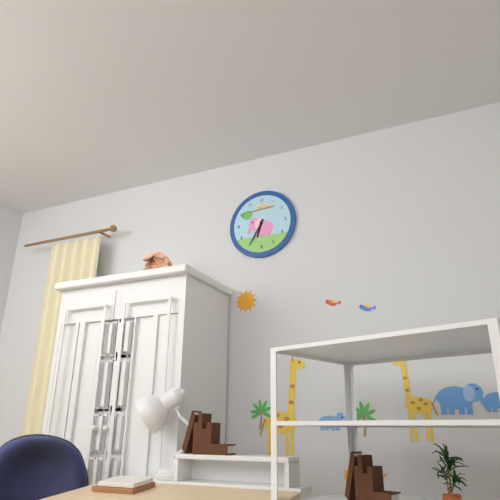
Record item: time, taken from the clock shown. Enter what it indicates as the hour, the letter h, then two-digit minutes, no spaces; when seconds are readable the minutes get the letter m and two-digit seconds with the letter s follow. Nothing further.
6h35
